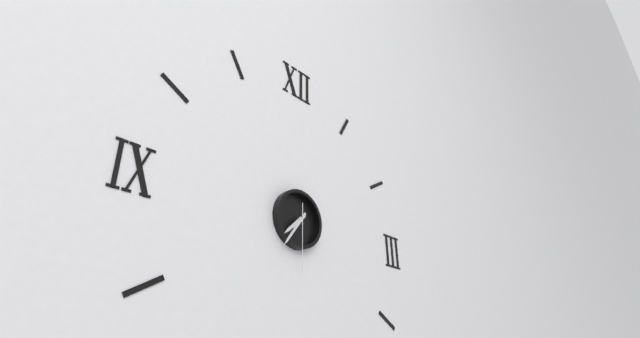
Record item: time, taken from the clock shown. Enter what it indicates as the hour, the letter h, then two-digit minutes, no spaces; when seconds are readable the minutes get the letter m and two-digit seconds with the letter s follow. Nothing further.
7h36m30s
